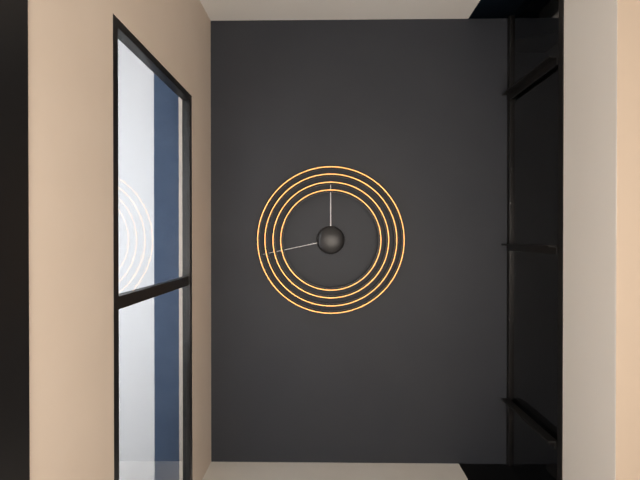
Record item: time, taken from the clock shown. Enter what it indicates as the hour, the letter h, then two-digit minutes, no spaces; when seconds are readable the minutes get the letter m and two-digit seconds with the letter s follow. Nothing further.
12h00m43s
